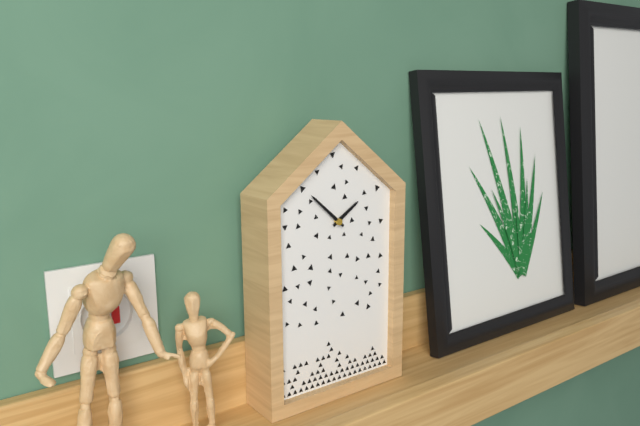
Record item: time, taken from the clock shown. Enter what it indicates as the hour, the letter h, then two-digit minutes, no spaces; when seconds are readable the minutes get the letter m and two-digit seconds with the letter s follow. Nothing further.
1h52
